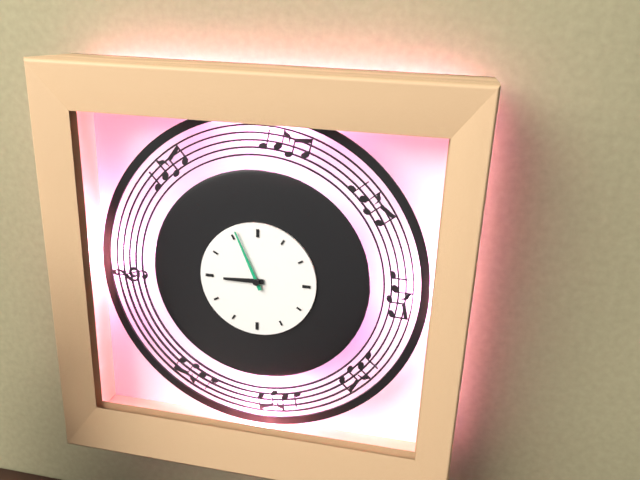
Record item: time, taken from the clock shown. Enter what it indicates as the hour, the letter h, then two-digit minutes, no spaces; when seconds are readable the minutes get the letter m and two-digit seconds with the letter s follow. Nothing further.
8h56
